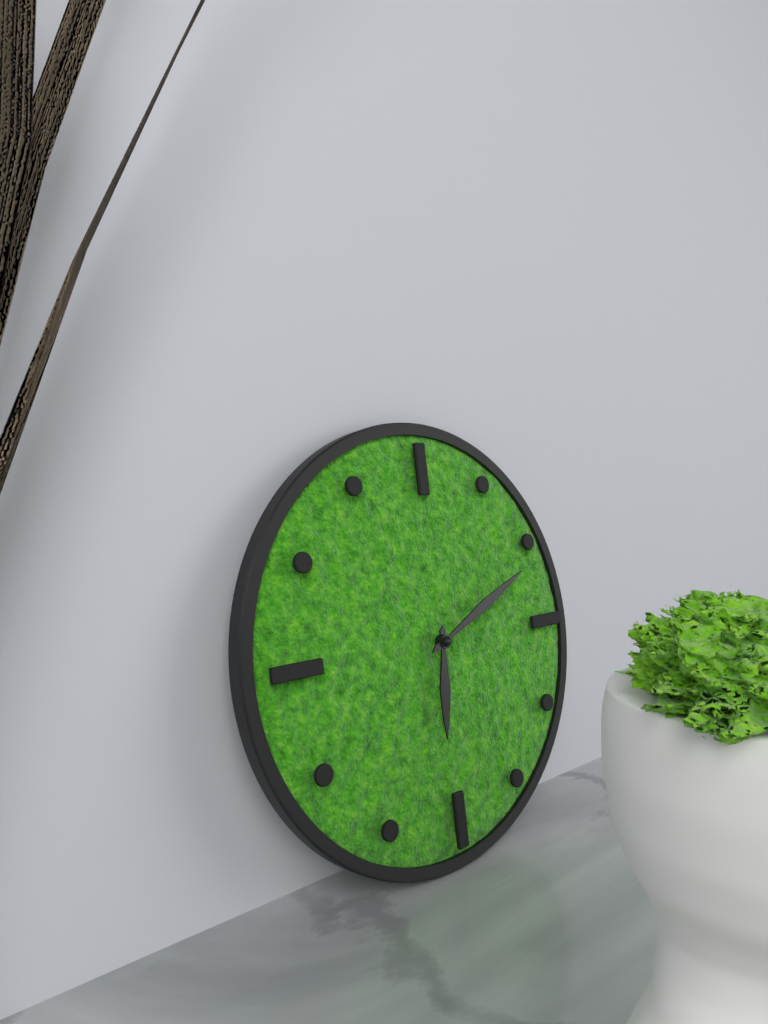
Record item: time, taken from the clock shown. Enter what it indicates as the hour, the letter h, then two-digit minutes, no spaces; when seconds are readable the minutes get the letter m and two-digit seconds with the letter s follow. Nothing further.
6h11
